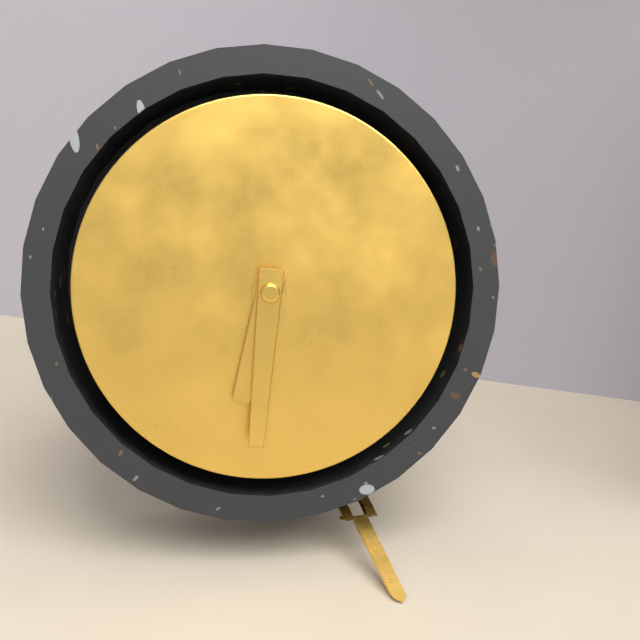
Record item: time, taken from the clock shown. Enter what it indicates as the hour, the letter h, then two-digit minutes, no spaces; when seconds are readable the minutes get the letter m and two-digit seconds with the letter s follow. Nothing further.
6h31
